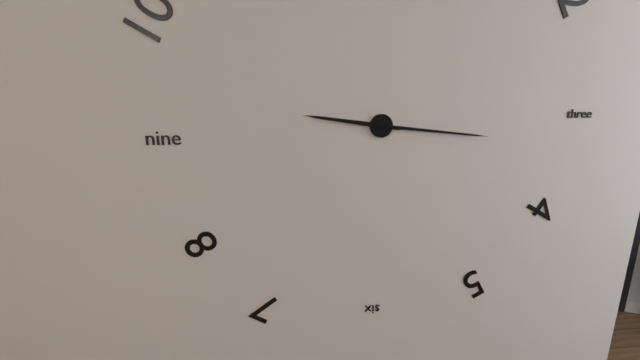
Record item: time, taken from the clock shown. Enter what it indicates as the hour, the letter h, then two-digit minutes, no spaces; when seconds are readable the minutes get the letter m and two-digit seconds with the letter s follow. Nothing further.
9h16
